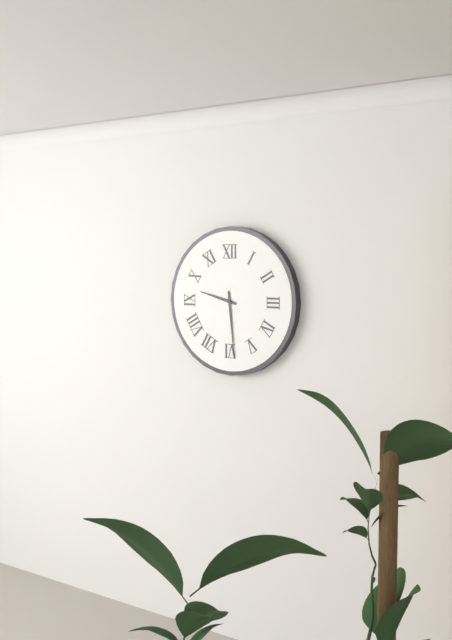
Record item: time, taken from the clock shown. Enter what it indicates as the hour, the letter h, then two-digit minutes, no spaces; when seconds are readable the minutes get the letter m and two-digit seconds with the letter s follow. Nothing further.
9h29
